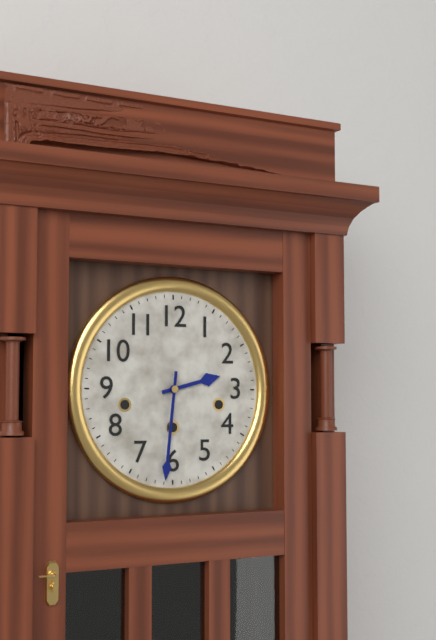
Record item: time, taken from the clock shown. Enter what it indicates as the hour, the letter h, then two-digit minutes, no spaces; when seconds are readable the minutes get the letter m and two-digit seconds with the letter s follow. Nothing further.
2h31
